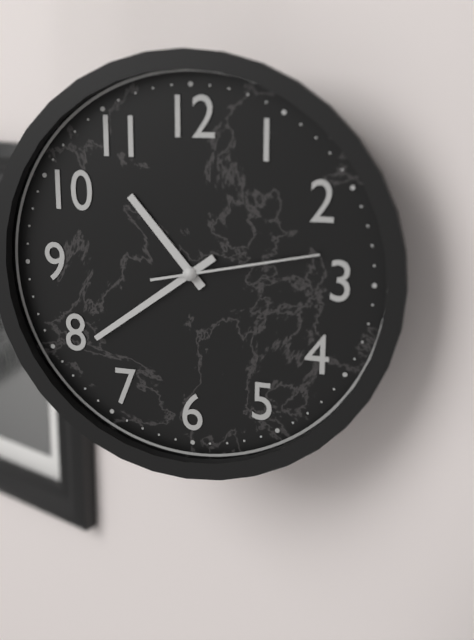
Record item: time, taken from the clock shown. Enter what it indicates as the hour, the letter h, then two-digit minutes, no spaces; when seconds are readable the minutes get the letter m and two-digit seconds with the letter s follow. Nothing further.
10h39m13s
